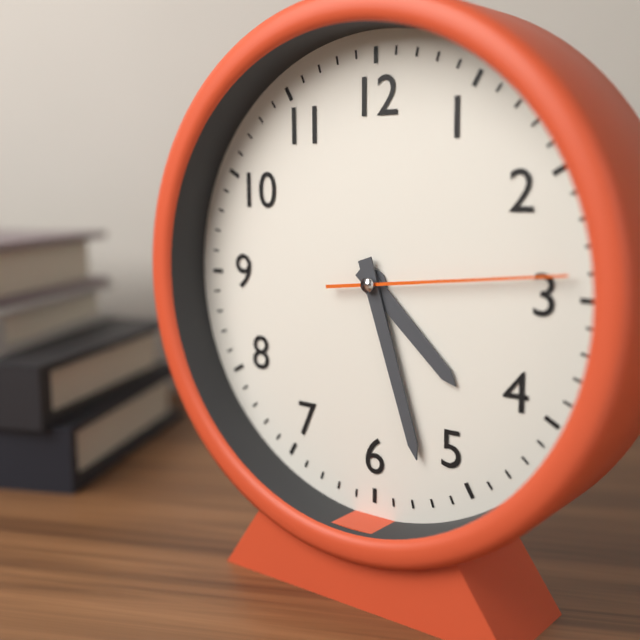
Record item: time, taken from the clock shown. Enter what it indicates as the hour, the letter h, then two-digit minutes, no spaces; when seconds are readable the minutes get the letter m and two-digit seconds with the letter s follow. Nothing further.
4h27m14s
